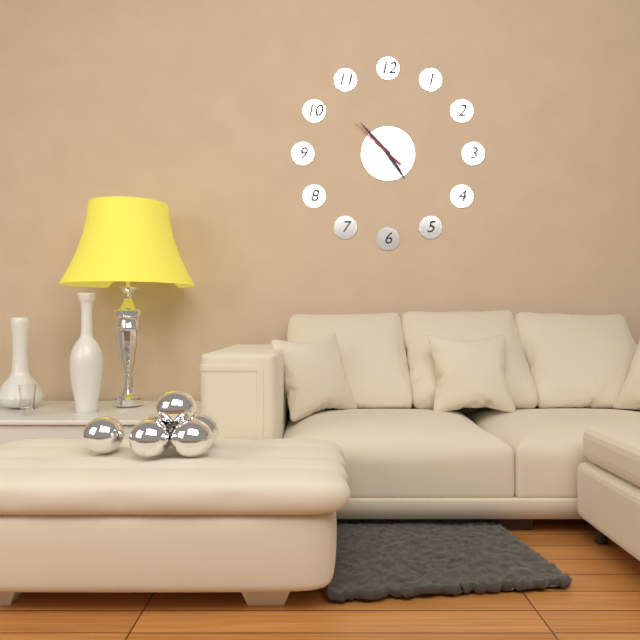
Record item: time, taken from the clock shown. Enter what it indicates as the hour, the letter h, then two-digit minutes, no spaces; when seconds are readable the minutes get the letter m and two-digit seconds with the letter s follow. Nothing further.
4h53m52s
